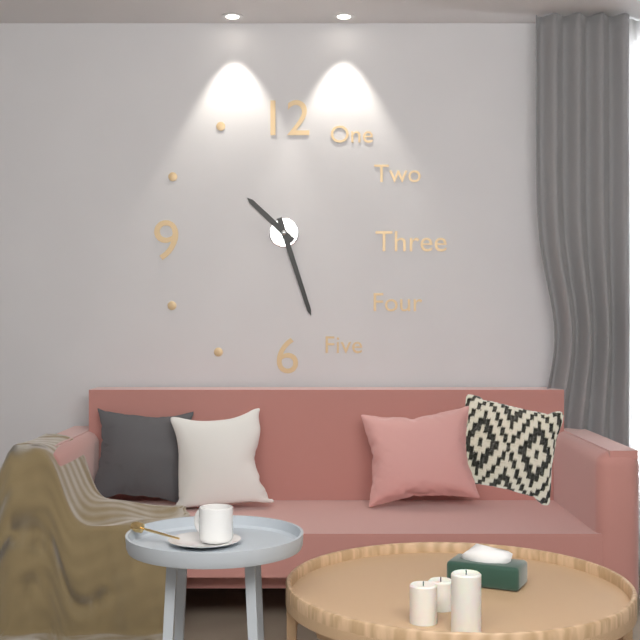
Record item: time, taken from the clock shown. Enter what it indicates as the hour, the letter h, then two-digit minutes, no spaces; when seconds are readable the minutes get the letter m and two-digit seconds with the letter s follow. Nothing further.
10h27
